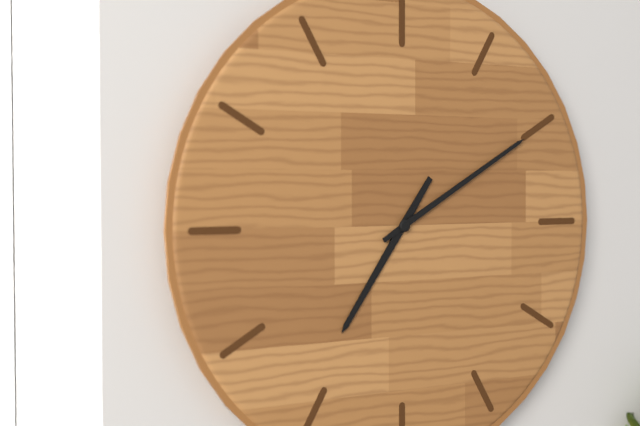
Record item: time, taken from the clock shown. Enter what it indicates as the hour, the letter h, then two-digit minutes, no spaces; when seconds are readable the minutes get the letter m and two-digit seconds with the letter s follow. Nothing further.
7h10
